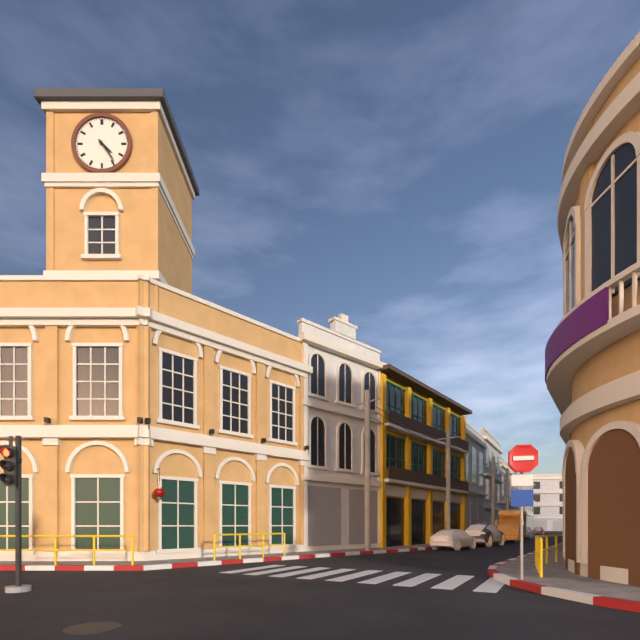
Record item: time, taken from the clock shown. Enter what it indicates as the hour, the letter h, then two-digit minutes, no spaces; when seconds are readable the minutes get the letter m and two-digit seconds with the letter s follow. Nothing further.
4h24
